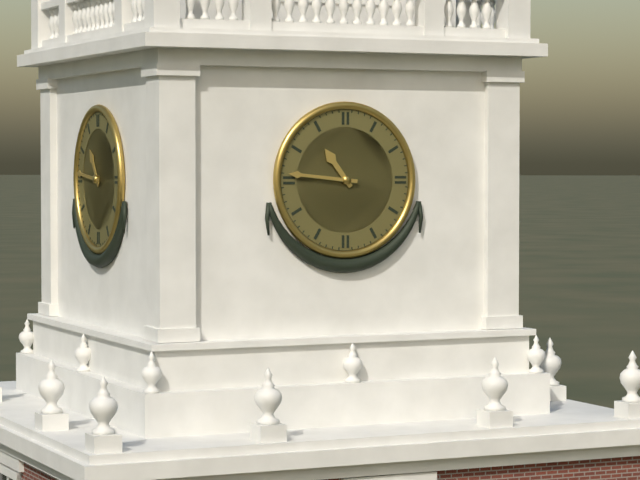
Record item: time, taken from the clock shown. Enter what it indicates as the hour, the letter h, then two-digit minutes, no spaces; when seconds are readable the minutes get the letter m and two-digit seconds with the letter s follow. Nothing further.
10h46
